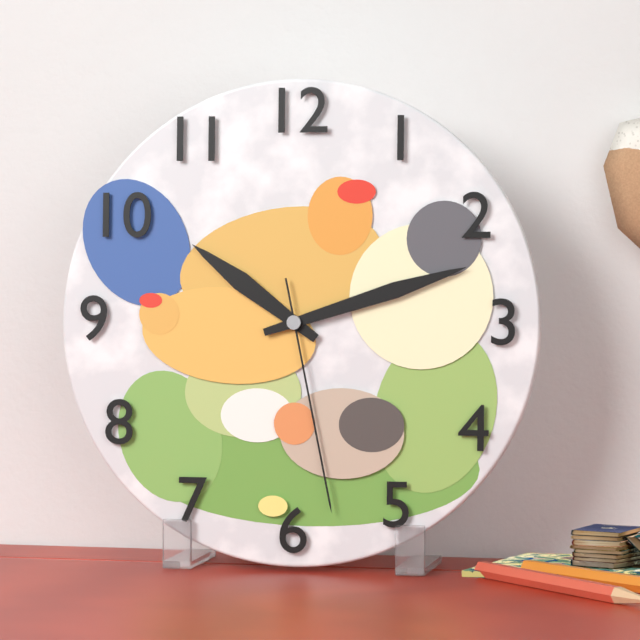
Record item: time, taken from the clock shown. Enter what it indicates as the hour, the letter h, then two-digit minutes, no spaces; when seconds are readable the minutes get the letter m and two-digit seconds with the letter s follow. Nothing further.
10h12m28s
